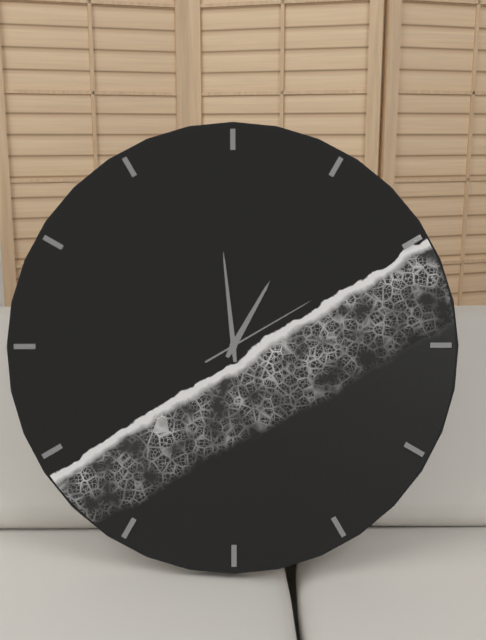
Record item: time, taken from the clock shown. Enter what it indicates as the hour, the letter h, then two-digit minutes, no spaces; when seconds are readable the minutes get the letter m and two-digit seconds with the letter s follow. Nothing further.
12h59m10s
